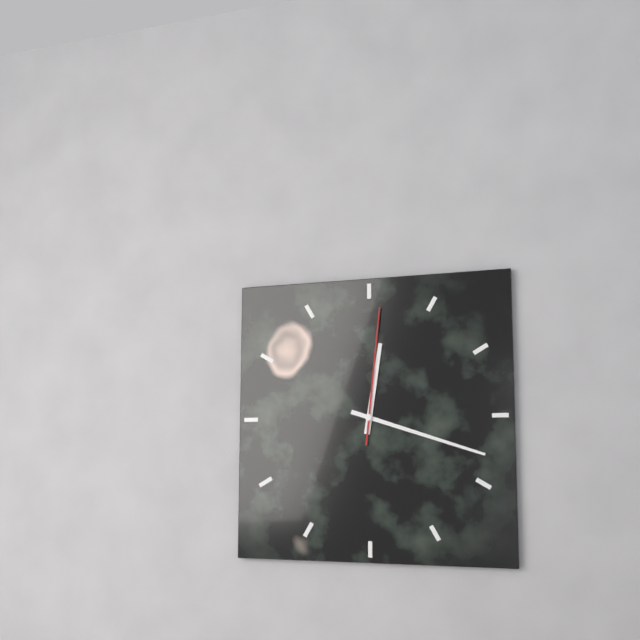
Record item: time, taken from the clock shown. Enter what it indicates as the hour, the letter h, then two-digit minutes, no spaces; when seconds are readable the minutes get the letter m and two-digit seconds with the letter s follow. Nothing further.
12h18m01s
